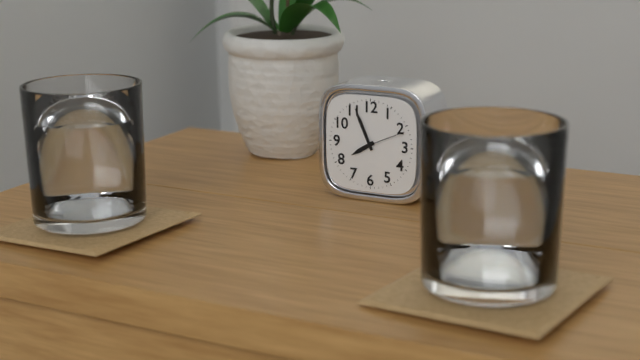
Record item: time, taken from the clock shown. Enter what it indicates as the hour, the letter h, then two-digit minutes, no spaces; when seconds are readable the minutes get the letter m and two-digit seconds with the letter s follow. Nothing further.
7h56
